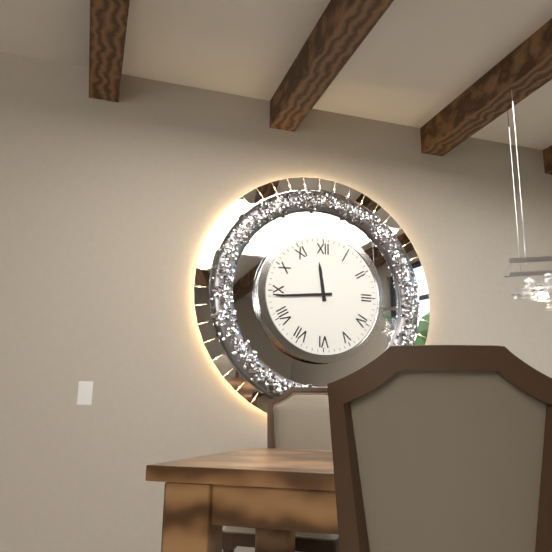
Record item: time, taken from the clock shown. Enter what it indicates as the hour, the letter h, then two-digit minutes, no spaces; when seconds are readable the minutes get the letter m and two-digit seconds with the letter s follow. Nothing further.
11h44
